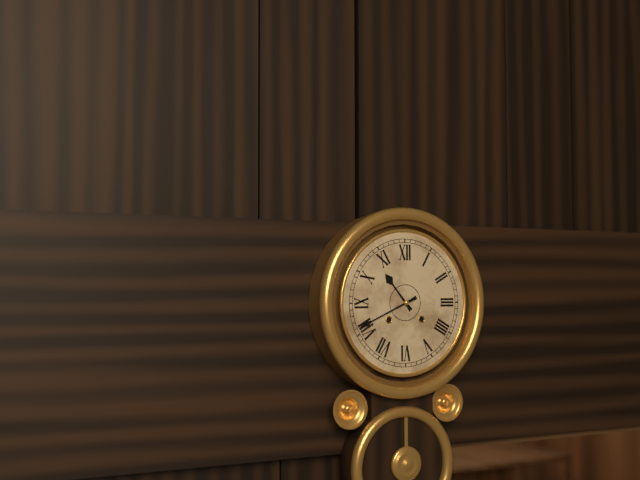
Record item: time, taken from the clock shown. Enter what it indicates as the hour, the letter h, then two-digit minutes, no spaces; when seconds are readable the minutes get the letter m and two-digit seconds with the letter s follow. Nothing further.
10h41
